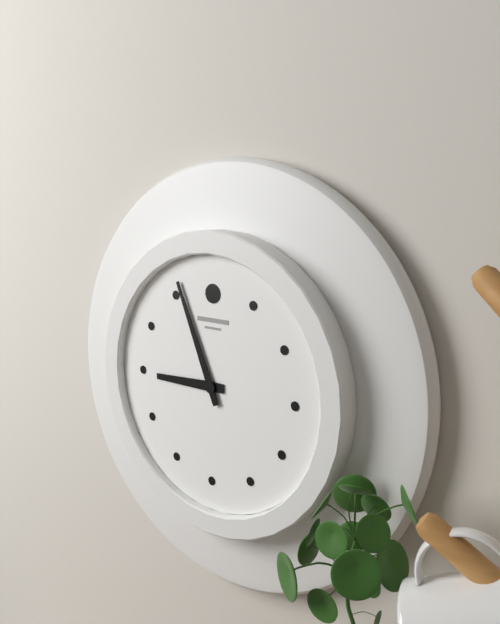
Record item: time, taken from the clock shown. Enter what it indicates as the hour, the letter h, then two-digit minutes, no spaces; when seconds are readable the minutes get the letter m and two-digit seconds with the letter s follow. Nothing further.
8h56
